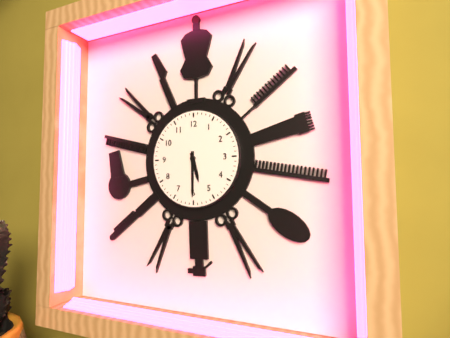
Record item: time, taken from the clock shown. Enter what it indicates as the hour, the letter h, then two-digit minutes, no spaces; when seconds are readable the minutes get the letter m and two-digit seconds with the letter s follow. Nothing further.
5h30
